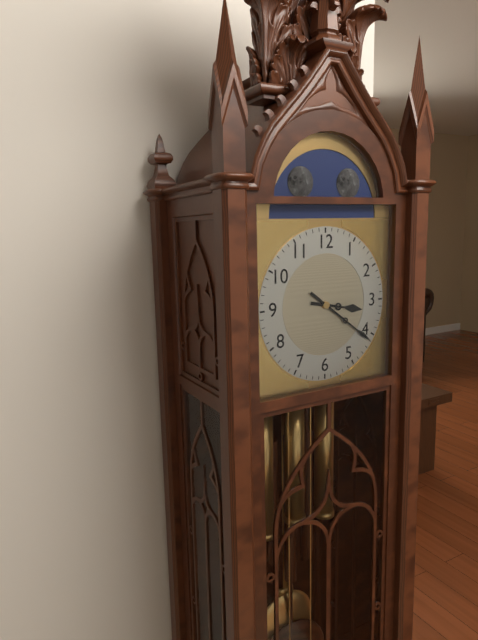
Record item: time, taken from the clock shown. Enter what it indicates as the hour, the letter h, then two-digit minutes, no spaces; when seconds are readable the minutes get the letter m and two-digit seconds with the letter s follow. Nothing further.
3h21
